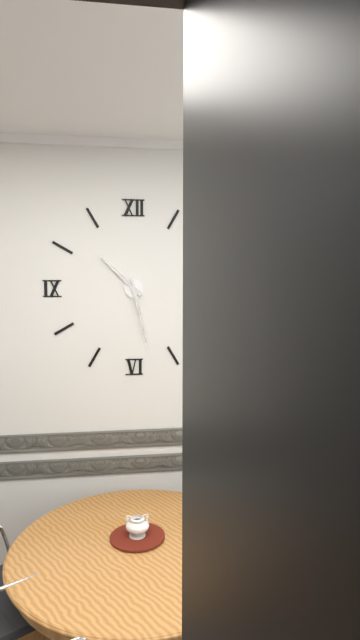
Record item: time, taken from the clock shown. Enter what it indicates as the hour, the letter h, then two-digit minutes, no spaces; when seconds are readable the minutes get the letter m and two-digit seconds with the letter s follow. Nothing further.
10h28
